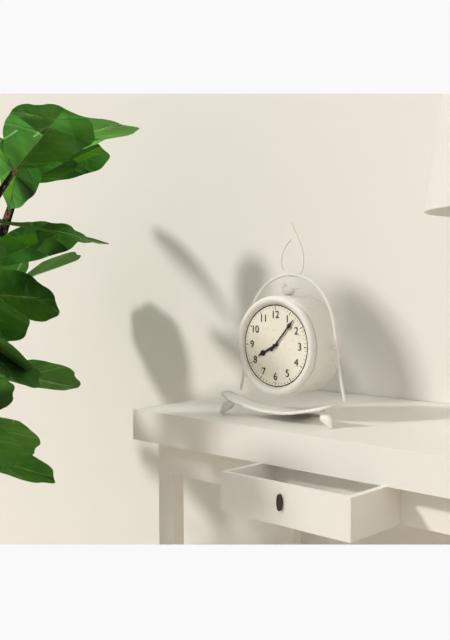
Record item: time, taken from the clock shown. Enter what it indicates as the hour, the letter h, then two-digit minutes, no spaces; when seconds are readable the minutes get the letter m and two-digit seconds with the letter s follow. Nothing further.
8h07
